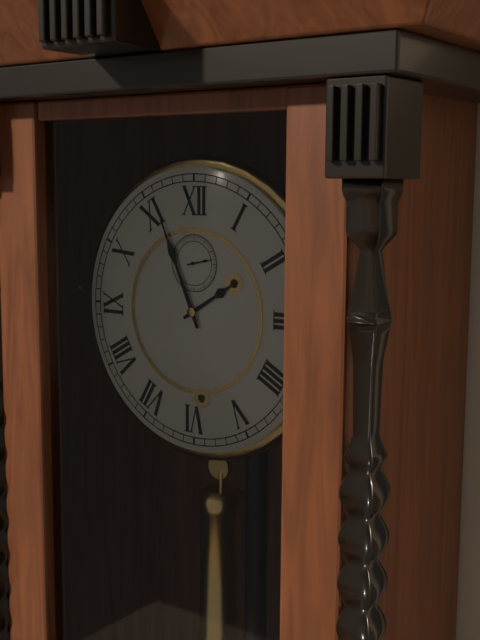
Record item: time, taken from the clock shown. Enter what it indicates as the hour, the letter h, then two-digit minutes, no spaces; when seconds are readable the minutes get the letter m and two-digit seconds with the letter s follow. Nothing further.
1h56
